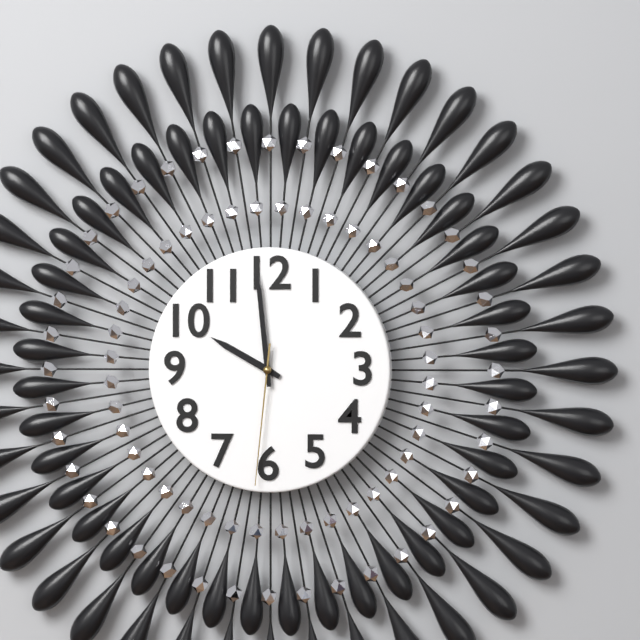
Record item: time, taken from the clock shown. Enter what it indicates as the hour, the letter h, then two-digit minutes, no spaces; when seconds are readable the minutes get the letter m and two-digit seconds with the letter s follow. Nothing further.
9h59m31s
